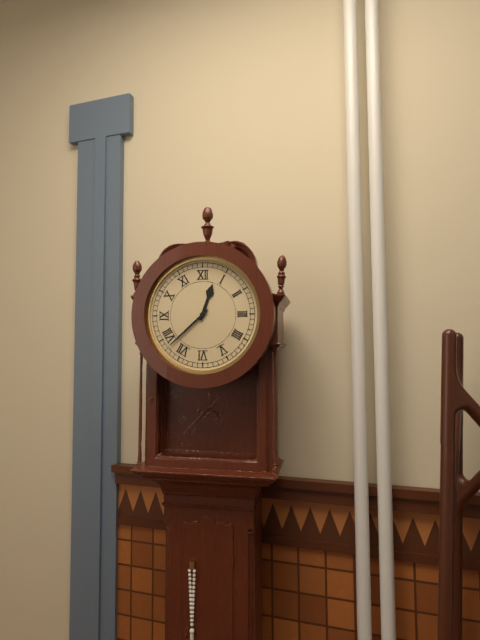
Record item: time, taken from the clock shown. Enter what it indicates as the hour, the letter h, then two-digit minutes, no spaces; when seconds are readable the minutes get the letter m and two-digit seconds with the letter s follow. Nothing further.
12h38
